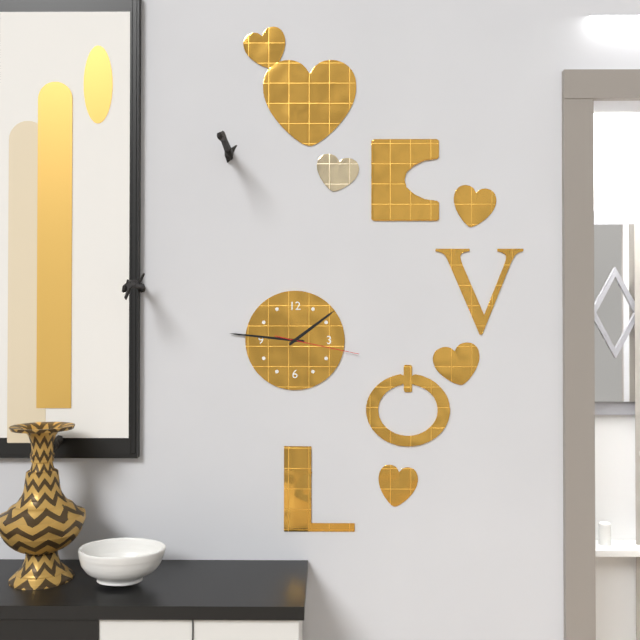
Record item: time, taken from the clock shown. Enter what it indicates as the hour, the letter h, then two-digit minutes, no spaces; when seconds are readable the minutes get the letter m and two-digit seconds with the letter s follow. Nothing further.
1h46m17s
